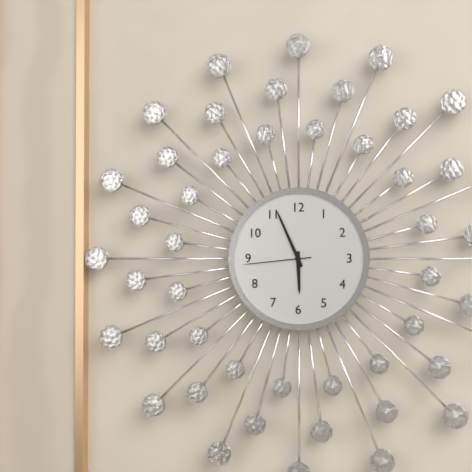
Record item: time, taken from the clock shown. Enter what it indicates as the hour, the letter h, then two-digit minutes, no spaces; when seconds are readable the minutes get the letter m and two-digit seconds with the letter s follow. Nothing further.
5h56m44s
